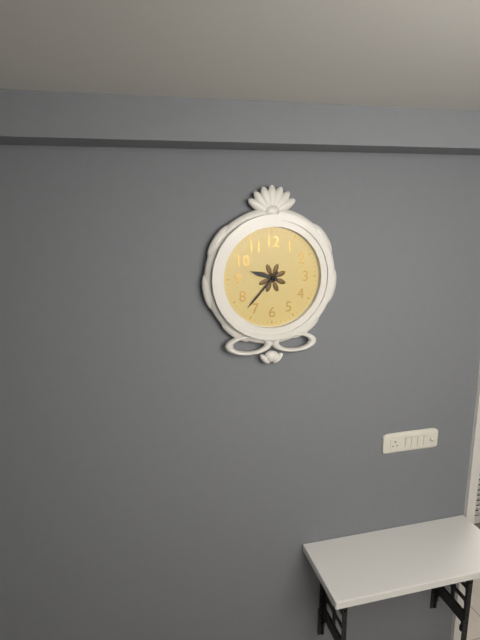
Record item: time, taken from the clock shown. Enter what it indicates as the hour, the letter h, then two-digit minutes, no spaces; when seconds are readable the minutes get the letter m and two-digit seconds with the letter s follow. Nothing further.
9h37
